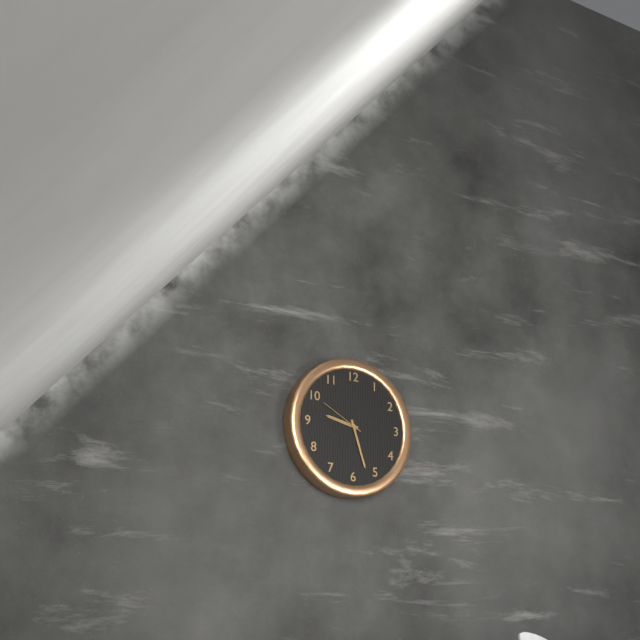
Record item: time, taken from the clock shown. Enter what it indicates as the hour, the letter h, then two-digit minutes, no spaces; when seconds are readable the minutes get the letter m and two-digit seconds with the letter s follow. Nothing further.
9h27
